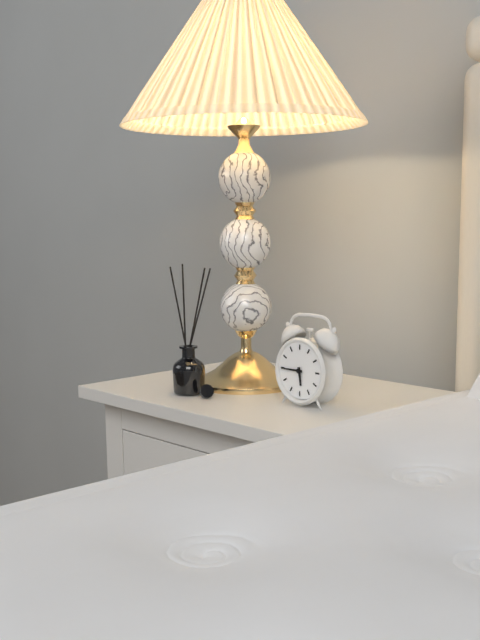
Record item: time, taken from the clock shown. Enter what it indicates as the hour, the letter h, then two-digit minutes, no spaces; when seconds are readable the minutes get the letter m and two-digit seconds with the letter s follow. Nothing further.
5h45
